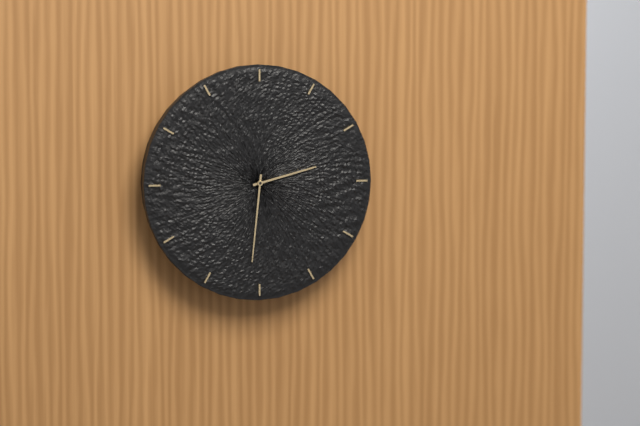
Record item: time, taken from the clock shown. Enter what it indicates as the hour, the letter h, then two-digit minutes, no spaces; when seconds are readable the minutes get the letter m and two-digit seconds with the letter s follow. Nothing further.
2h31
